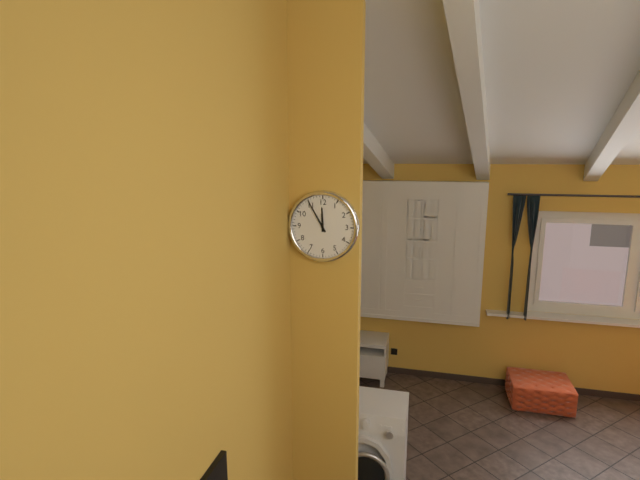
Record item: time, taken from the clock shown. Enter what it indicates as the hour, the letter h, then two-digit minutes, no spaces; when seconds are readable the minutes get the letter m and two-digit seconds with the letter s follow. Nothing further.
11h55
